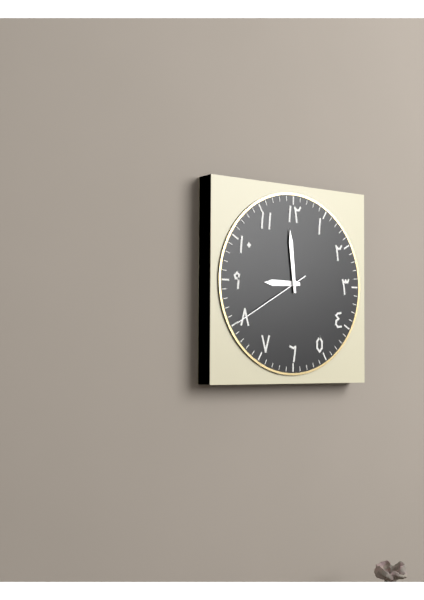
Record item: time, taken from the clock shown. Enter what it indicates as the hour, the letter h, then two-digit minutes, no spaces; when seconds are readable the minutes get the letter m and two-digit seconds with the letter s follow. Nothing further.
8h59m40s
